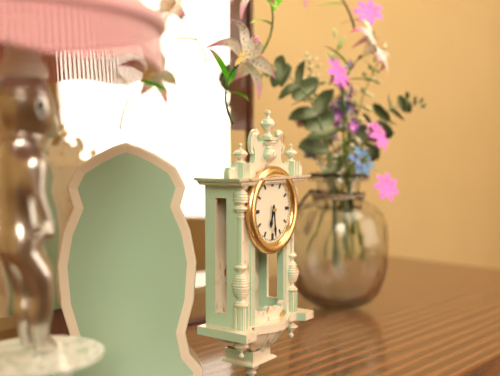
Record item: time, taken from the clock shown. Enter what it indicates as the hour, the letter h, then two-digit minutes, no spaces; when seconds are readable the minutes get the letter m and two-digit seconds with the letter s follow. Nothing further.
6h29
